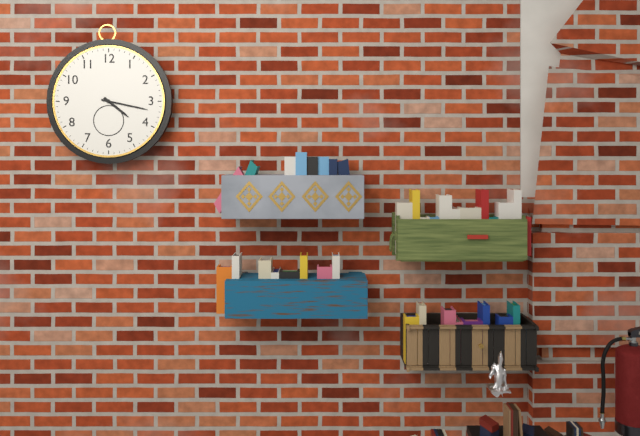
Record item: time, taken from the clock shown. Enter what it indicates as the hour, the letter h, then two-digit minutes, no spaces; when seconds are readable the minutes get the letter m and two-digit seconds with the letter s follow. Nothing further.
4h17
